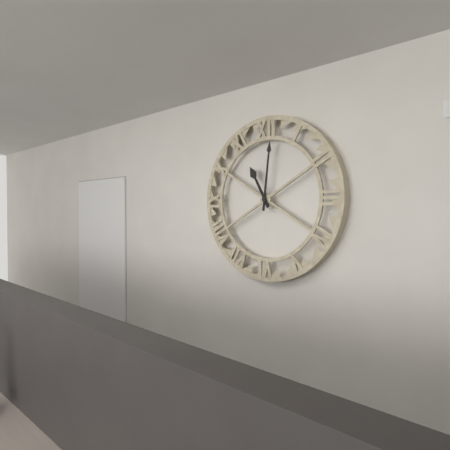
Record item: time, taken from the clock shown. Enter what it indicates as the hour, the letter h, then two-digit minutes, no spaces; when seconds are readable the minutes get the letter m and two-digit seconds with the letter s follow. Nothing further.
11h01
